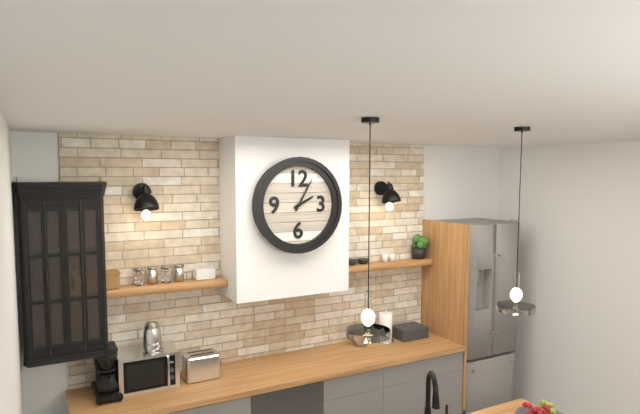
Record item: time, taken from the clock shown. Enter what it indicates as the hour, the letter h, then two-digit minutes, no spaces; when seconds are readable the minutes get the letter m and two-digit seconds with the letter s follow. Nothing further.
2h05
